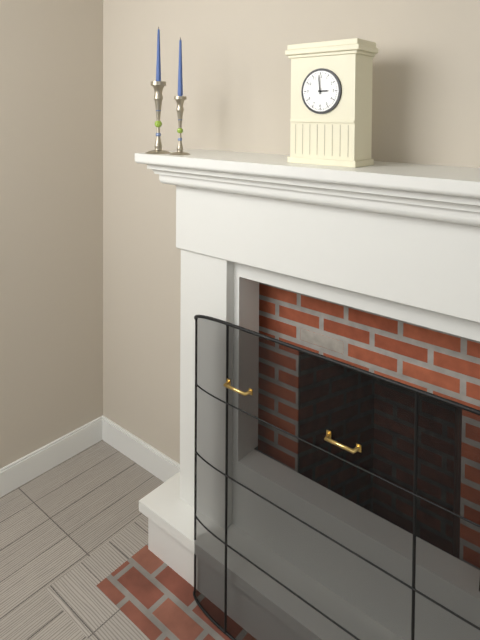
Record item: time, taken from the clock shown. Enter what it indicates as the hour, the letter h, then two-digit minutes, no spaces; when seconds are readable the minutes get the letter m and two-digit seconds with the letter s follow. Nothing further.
2h59
